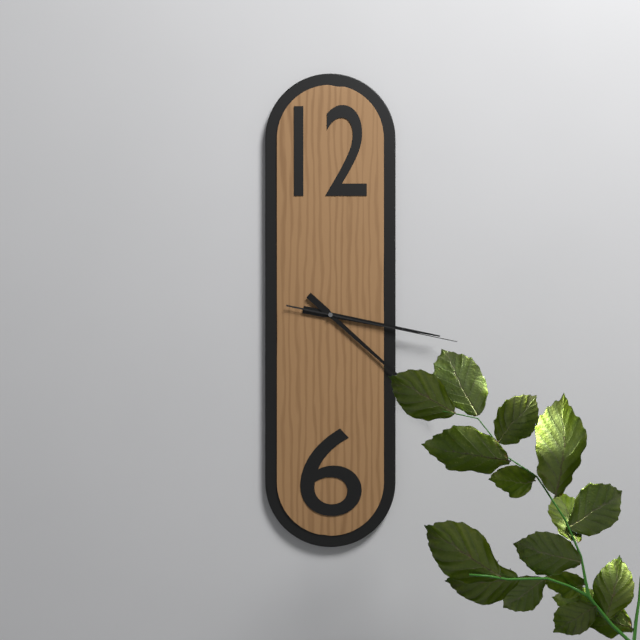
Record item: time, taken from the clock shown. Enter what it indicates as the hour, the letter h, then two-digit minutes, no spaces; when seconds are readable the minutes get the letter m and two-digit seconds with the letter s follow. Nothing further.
3h22m17s
